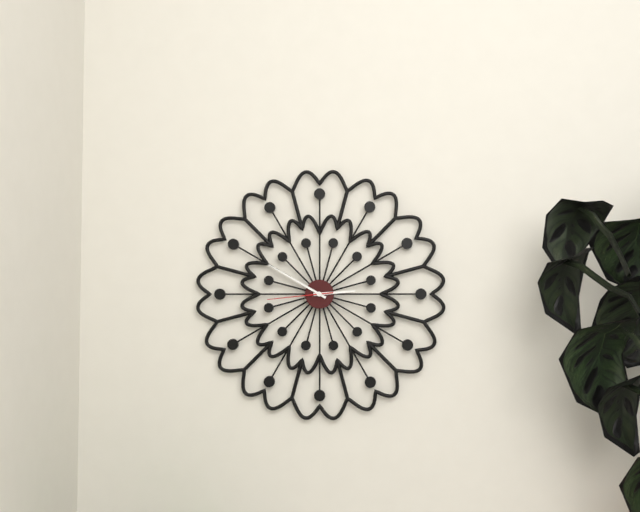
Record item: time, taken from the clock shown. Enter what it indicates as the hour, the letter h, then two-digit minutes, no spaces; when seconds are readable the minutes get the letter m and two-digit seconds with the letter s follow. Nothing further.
2h50m44s
